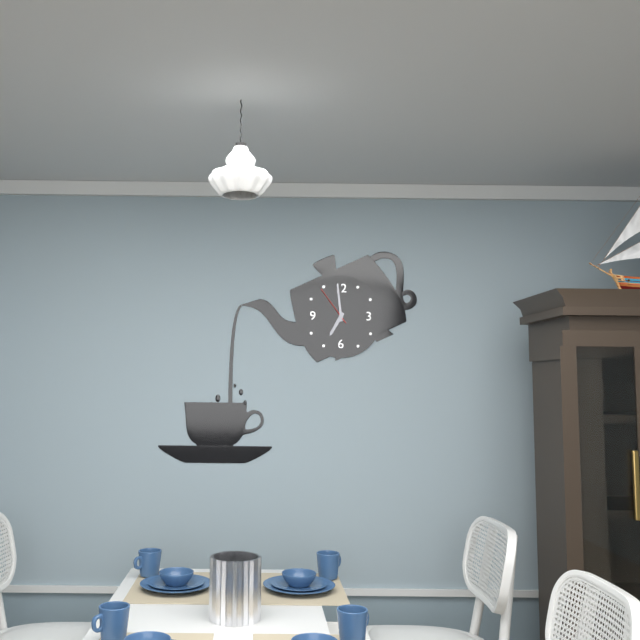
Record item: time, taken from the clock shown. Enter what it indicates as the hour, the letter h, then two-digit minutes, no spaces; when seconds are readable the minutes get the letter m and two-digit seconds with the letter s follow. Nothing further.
6h59
